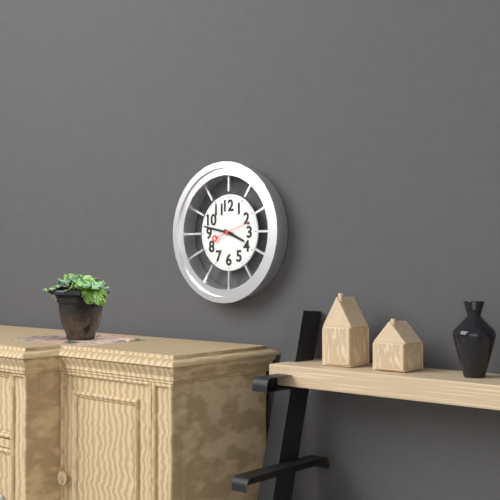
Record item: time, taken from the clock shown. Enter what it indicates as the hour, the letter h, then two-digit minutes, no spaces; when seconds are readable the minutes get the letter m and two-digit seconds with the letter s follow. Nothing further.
3h47
